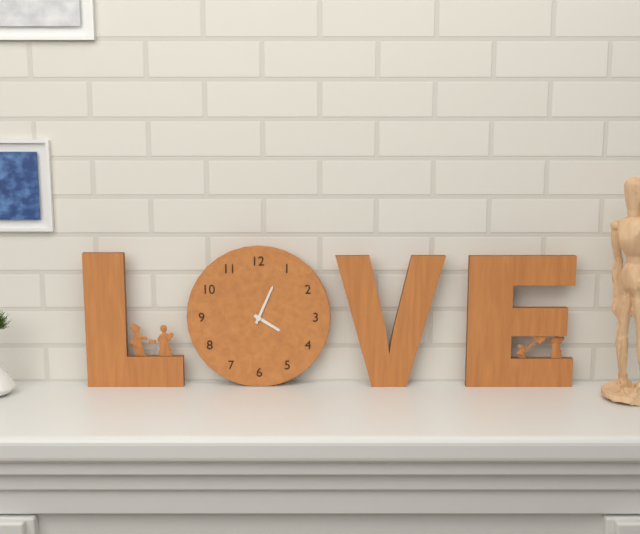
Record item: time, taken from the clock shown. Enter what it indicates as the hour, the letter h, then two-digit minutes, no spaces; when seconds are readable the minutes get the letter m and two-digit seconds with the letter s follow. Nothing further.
4h04
